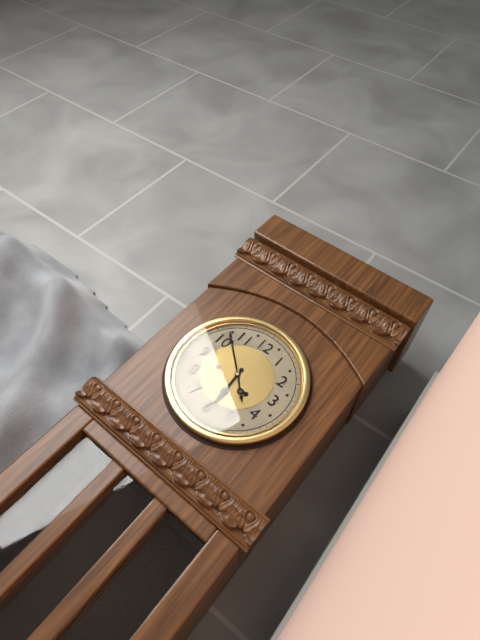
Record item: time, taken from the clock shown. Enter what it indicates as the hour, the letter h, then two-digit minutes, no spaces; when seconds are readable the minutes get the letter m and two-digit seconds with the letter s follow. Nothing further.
5h52
